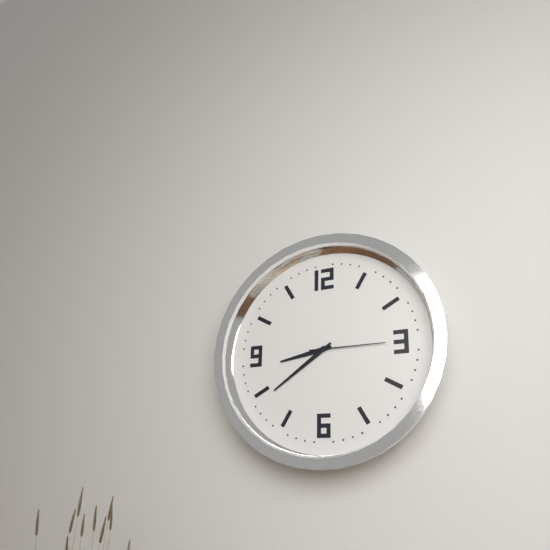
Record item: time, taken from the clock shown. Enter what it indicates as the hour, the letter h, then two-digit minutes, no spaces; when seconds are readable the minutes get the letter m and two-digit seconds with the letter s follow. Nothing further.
8h39m15s
